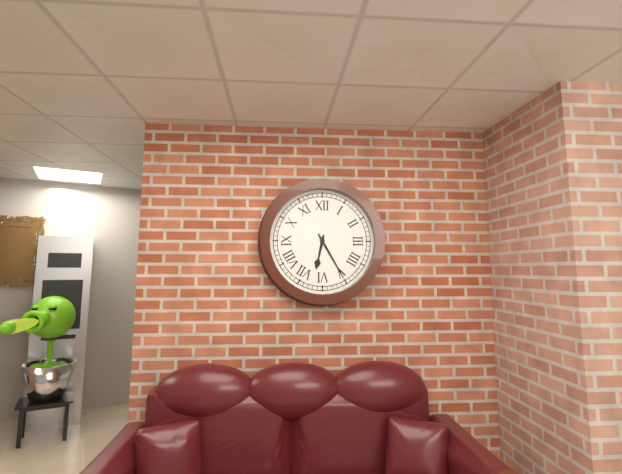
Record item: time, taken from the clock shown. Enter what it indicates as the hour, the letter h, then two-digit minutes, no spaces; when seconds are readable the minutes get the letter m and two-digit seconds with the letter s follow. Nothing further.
6h25
